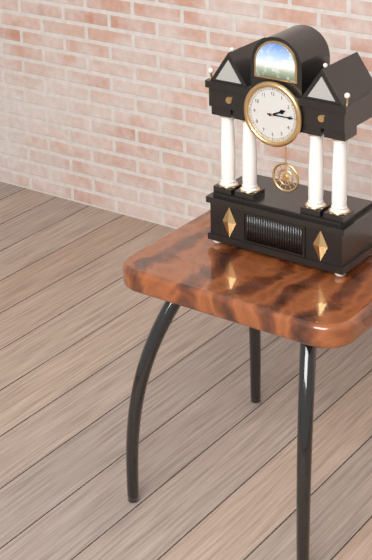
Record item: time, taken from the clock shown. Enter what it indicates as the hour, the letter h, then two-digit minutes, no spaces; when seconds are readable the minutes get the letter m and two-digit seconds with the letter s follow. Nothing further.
2h15
